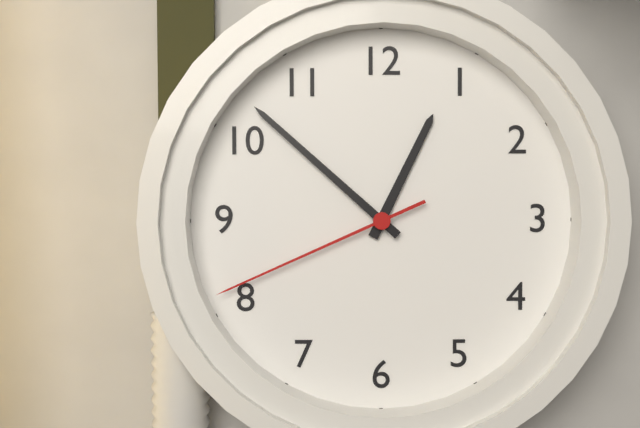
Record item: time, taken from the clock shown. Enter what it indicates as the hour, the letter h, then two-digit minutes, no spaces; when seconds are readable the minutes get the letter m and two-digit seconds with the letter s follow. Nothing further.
12h52m41s
